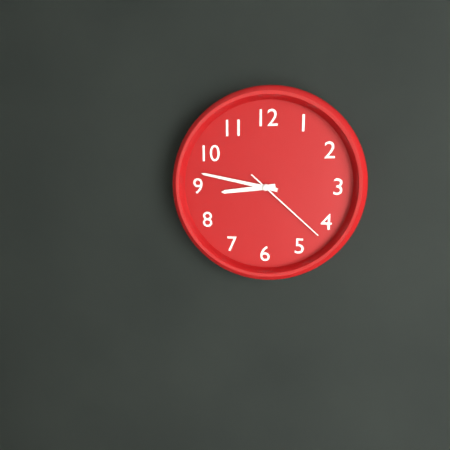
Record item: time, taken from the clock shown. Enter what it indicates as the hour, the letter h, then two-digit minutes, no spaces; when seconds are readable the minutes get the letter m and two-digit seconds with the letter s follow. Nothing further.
8h47m22s
